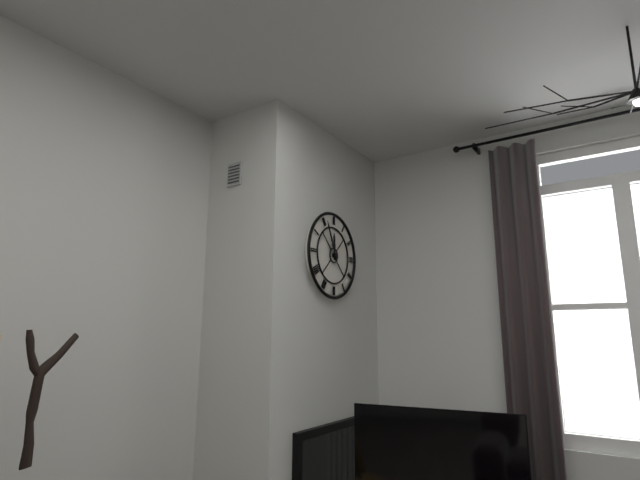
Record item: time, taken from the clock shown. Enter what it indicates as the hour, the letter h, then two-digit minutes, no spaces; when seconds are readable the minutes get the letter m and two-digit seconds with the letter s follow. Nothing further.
11h56
